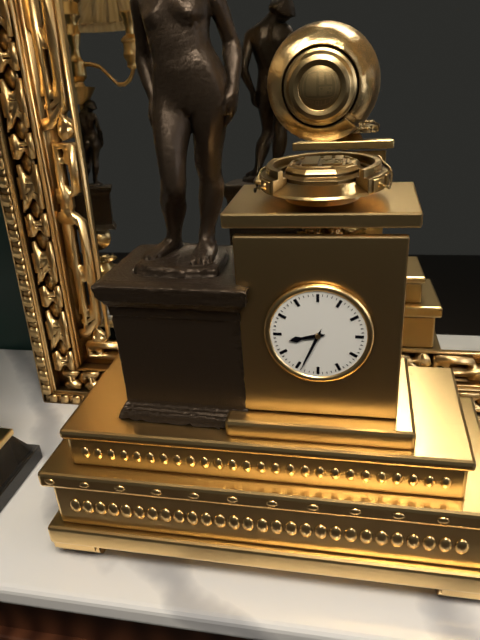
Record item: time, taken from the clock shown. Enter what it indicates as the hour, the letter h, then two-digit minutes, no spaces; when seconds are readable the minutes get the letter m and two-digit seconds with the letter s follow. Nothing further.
8h34
